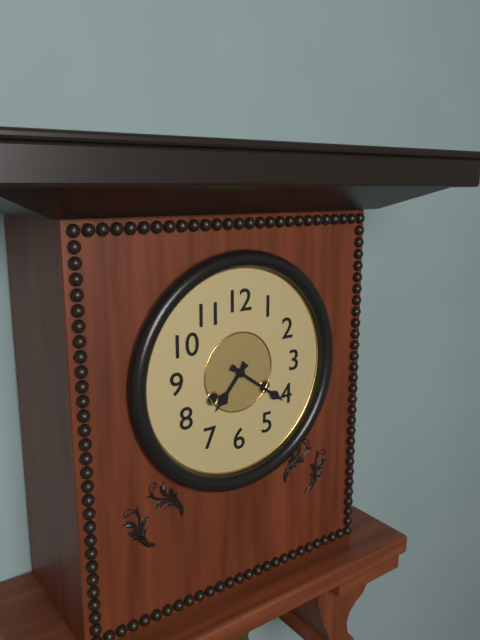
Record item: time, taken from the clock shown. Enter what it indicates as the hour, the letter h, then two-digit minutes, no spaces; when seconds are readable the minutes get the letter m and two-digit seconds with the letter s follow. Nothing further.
7h21
